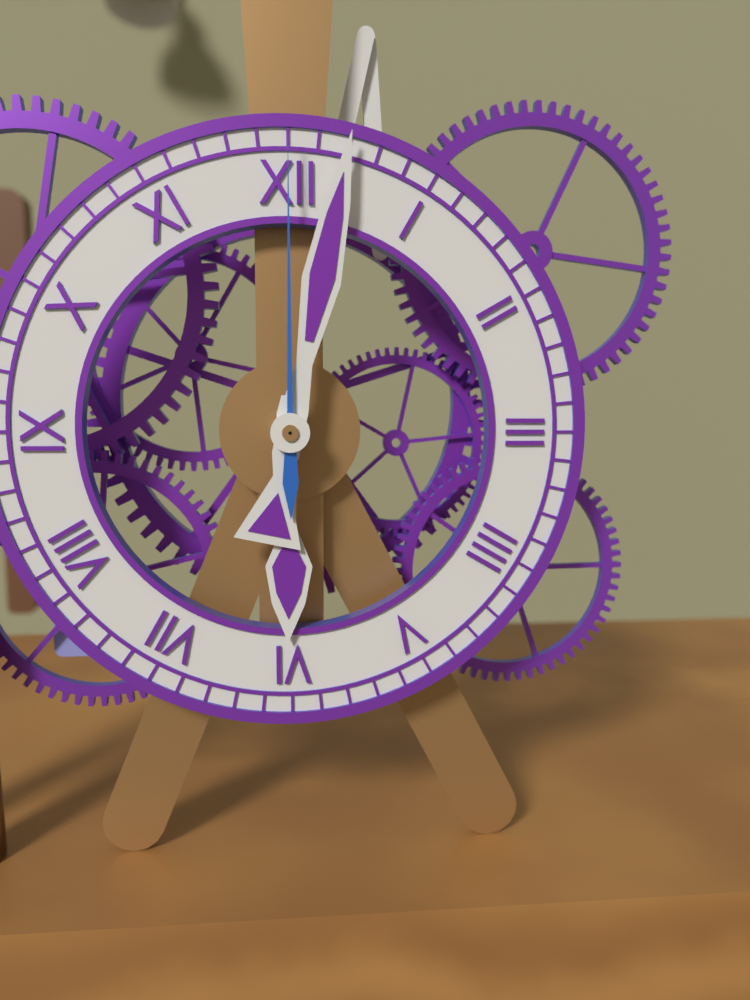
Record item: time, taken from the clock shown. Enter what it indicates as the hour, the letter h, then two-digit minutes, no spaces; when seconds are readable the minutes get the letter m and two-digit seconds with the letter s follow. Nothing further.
6h02m00s
